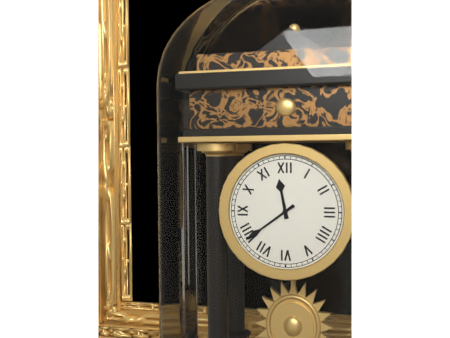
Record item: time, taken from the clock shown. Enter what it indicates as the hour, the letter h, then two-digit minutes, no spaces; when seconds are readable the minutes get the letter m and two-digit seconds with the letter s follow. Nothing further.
11h39
